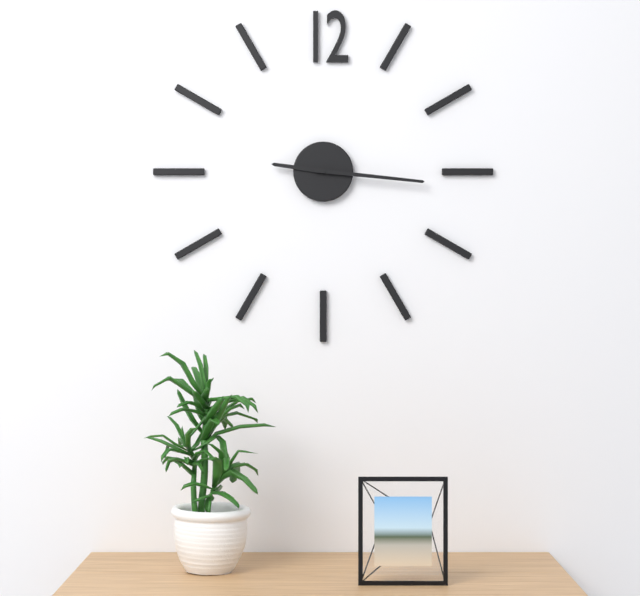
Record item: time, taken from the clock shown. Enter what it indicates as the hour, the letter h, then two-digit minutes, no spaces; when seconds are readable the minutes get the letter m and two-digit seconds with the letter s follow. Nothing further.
9h16
